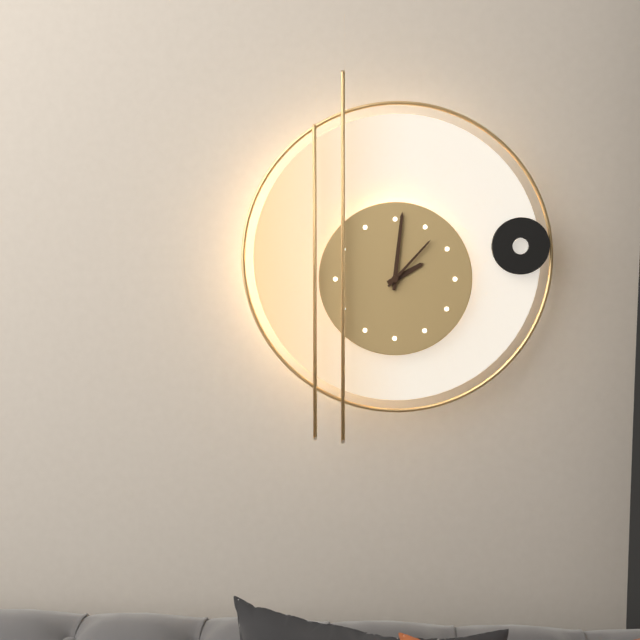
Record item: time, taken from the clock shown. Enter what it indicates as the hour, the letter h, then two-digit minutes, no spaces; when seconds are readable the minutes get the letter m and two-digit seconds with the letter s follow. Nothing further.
2h01m07s
